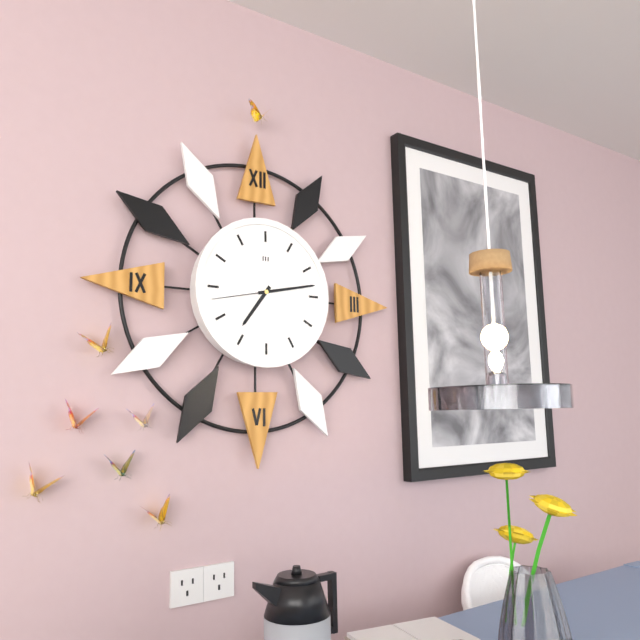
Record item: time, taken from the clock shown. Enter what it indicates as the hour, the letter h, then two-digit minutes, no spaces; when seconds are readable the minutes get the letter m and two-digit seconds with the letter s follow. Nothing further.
7h13
